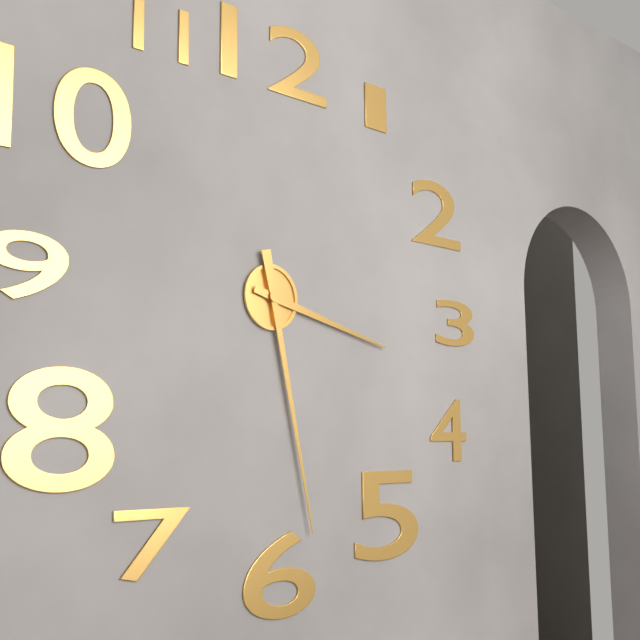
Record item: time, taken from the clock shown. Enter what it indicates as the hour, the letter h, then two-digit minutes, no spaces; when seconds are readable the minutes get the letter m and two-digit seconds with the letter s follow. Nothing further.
3h28
